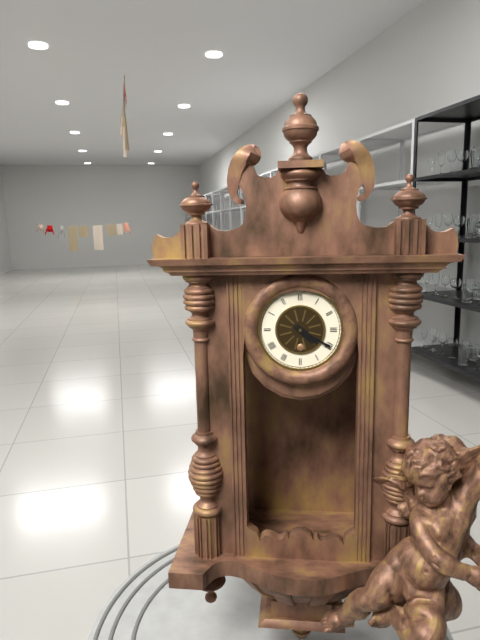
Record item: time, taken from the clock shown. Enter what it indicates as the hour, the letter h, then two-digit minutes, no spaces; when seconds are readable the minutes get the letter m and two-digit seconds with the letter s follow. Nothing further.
4h20
